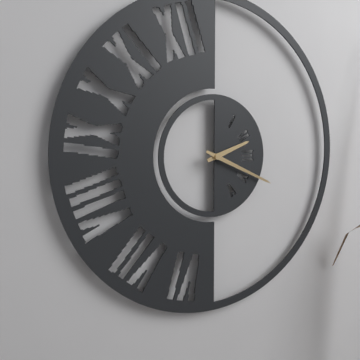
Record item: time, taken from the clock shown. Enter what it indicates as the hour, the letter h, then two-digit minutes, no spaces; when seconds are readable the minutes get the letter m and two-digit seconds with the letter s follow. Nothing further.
2h19
